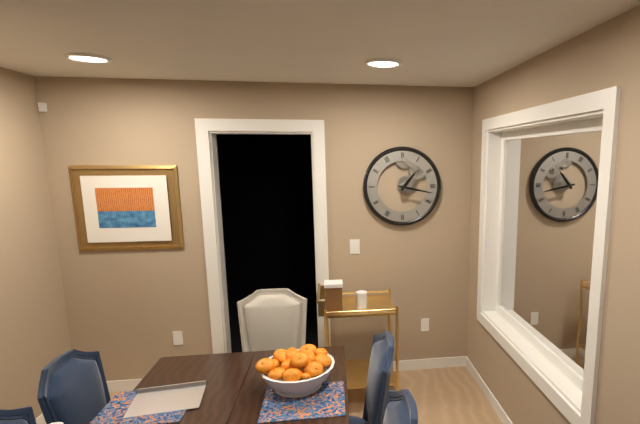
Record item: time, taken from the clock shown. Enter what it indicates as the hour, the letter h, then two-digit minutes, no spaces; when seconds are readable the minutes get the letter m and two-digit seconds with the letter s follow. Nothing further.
1h17
